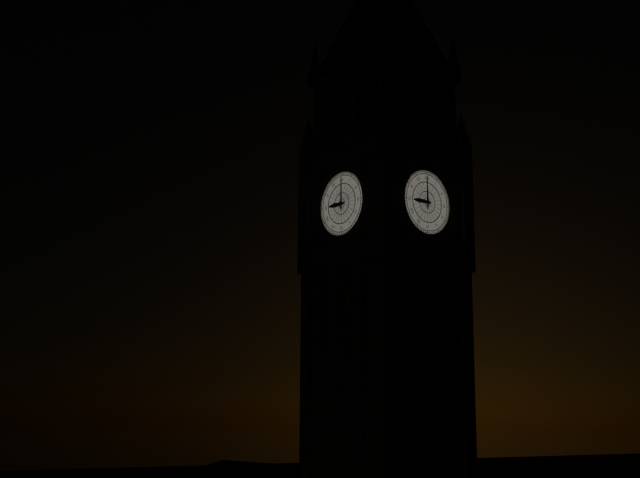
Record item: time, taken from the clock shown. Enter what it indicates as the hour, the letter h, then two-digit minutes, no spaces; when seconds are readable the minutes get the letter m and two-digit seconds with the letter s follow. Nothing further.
9h00
